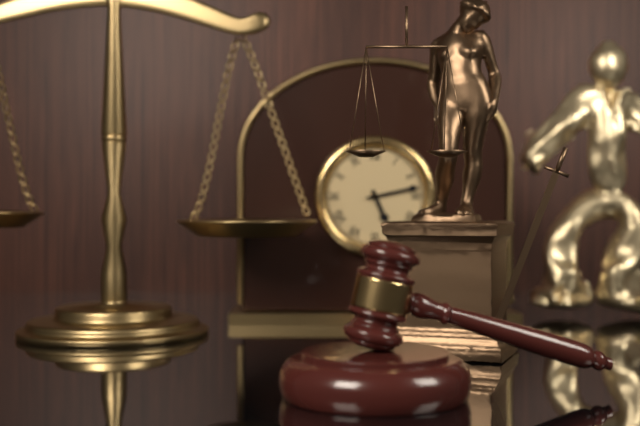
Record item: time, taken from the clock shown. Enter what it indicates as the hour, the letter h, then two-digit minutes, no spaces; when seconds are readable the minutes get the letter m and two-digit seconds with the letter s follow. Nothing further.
5h13
